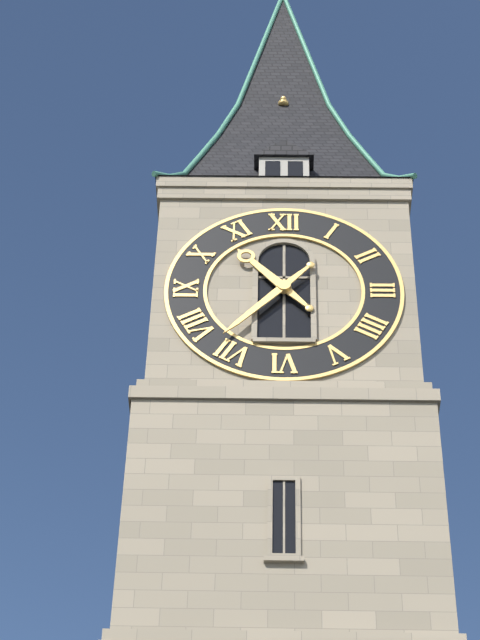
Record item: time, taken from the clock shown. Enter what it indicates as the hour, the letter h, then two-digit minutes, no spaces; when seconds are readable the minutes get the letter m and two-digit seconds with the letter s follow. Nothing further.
10h37
